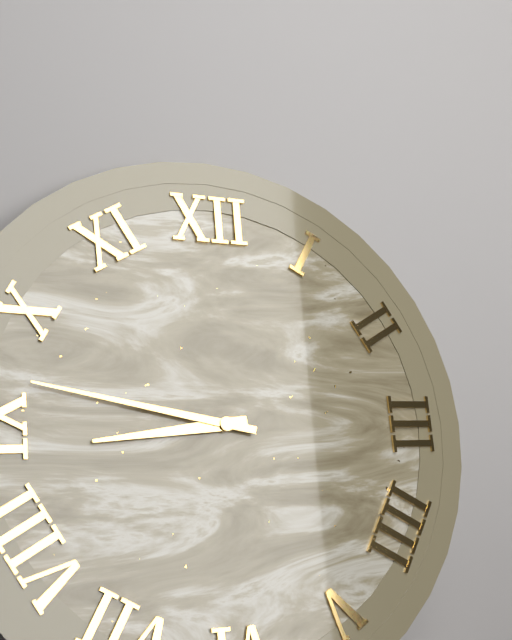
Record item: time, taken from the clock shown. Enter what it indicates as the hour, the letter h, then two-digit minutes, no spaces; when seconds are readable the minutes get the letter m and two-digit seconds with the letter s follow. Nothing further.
8h47
